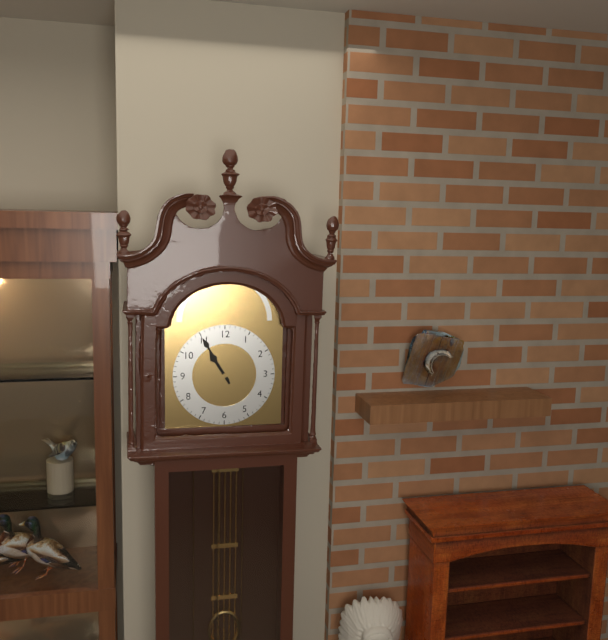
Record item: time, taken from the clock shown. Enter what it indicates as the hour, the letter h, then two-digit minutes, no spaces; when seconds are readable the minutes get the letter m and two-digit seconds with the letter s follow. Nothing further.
10h55
